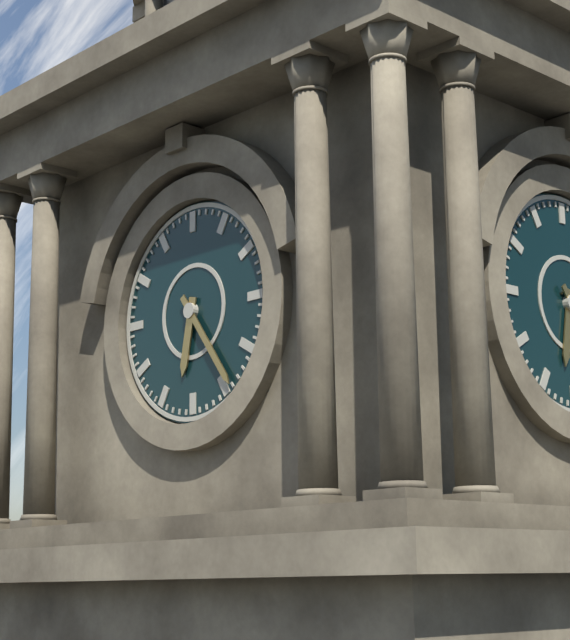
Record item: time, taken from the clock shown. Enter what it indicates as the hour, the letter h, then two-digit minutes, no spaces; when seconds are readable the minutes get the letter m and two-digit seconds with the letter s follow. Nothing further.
6h24
